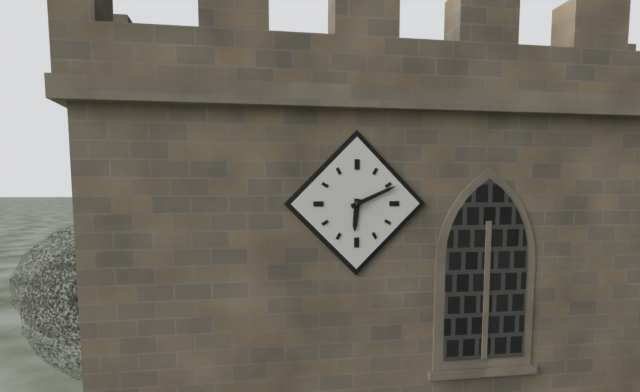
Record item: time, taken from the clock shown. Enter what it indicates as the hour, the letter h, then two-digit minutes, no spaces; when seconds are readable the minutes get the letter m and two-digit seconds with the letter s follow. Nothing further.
6h11
